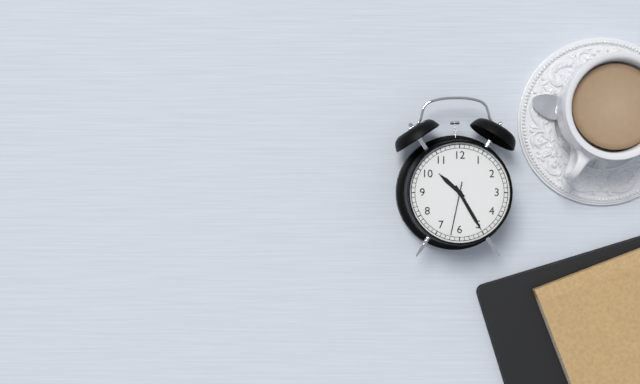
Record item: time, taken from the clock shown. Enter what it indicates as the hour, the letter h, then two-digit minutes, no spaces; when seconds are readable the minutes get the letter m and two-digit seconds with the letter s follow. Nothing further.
10h25m32s
